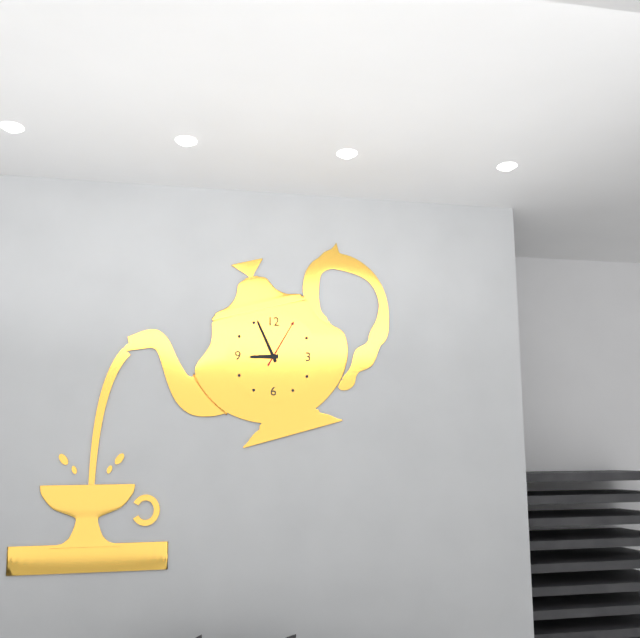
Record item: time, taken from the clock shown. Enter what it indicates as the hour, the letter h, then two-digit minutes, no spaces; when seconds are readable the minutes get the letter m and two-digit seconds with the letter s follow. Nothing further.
8h56m05s
